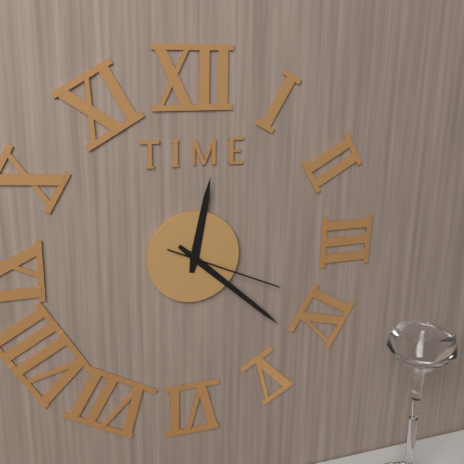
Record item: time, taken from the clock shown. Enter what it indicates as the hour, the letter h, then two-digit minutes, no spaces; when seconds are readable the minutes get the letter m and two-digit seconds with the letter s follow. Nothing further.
12h22m19s
